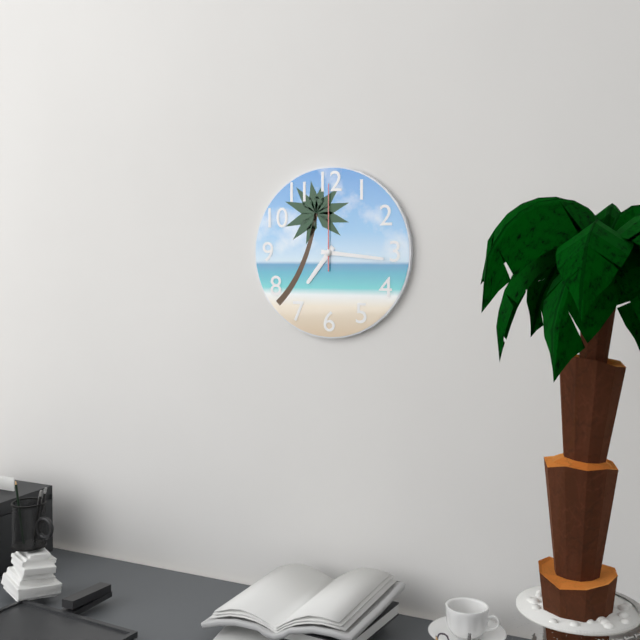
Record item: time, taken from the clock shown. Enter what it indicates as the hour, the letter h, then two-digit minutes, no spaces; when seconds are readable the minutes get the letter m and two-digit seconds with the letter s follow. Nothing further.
7h16m00s
